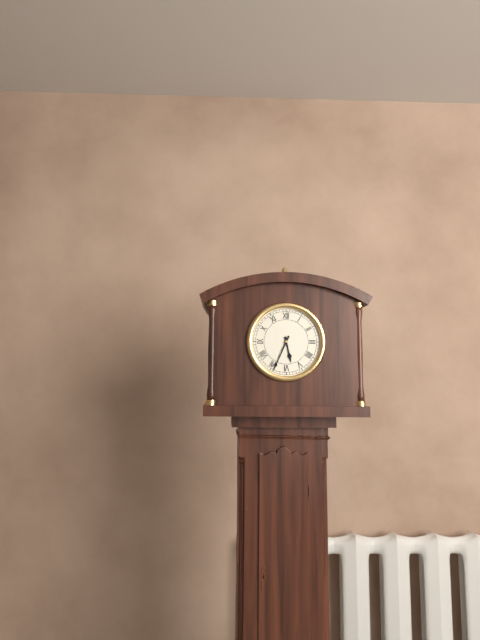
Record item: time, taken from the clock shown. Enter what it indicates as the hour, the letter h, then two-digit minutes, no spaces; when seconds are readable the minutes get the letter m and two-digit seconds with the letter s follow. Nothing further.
5h34
